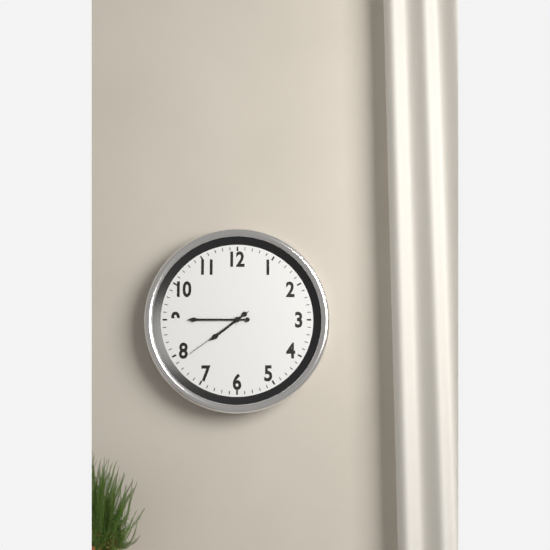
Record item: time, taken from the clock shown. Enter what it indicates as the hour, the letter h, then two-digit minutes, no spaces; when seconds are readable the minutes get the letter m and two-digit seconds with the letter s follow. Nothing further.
7h45m39s
